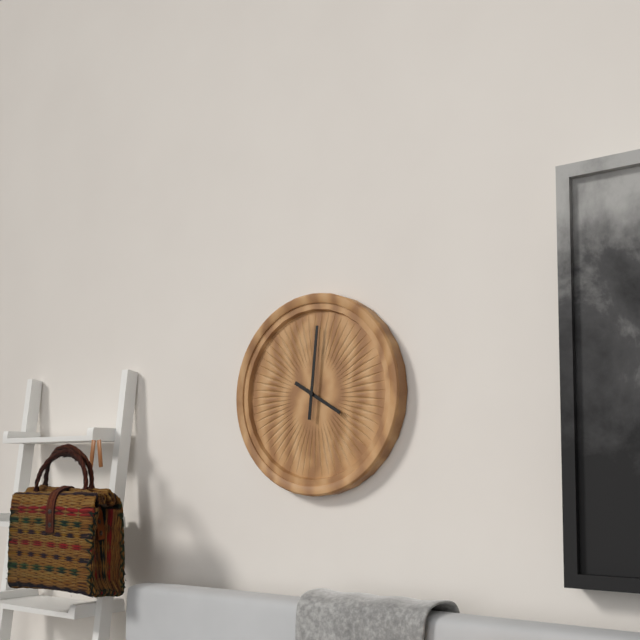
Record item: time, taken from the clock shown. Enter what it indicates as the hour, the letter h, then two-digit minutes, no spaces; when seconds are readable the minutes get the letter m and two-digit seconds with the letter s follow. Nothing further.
4h01
